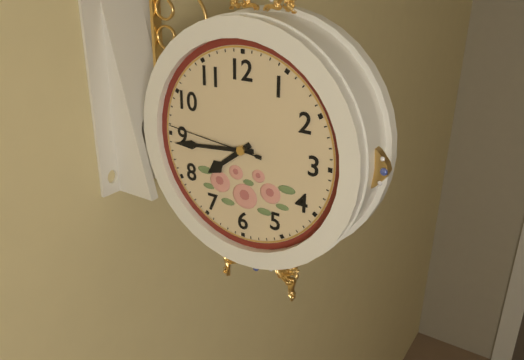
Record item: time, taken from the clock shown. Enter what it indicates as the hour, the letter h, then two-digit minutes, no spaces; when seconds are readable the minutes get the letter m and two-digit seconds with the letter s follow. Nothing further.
7h44m46s
